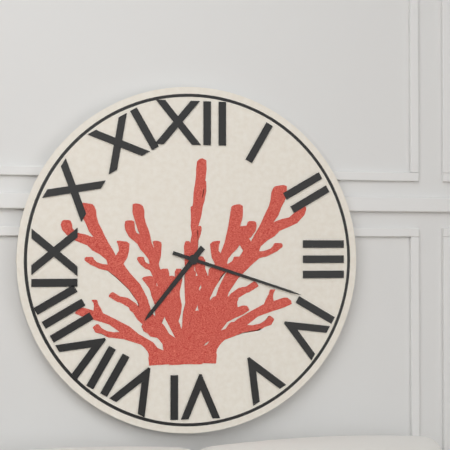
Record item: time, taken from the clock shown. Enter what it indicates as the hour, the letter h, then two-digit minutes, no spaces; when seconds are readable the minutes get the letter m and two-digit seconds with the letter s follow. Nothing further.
7h18
